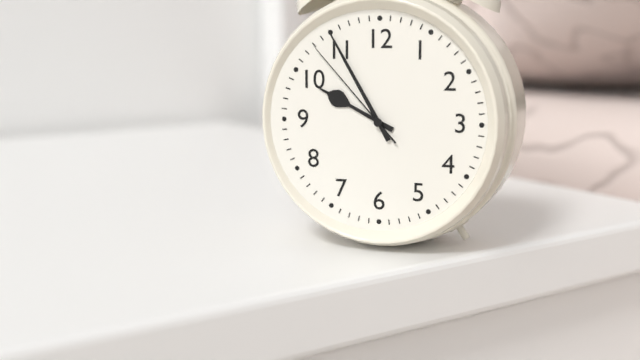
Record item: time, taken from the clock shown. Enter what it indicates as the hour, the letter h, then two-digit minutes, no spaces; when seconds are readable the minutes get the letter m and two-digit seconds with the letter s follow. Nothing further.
9h55m53s
